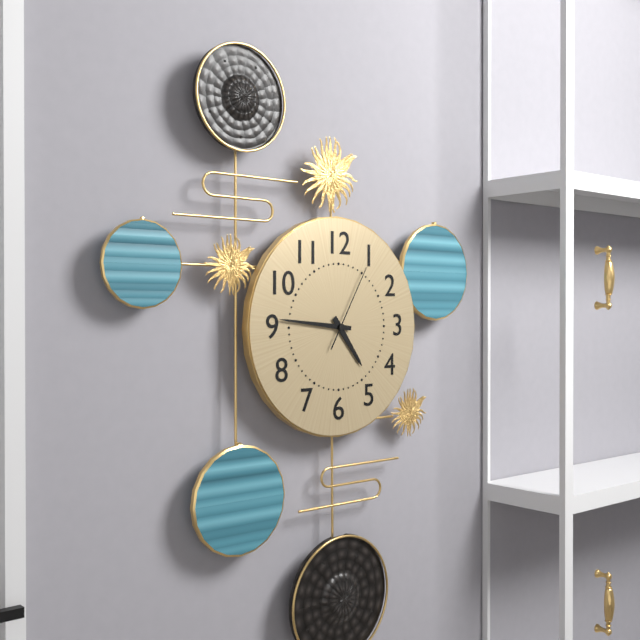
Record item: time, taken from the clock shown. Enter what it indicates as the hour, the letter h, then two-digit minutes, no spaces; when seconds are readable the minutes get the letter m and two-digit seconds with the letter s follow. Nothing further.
4h46m05s
